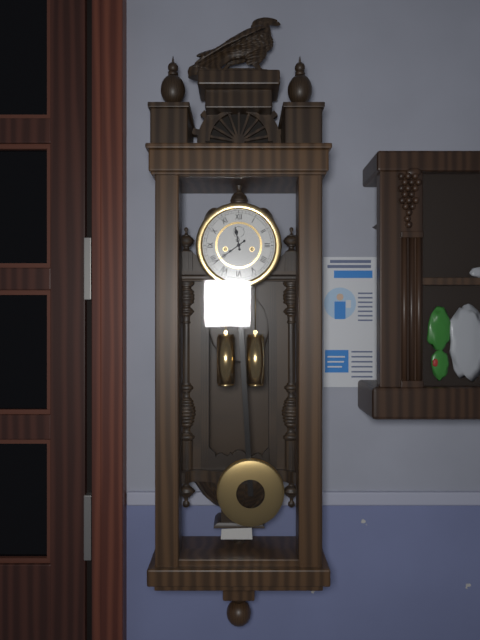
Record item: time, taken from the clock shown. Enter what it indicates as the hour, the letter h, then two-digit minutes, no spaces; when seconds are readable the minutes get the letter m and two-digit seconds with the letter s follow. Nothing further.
11h39
